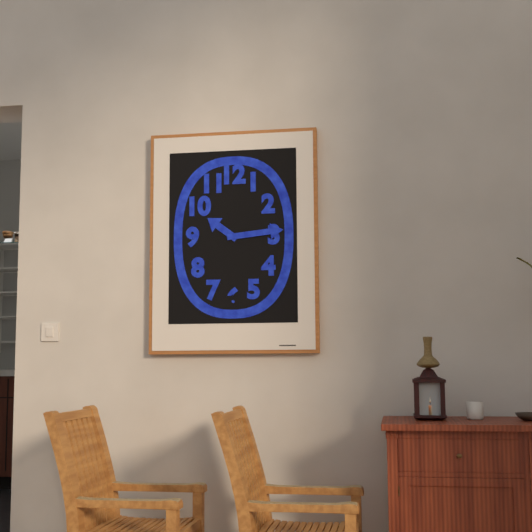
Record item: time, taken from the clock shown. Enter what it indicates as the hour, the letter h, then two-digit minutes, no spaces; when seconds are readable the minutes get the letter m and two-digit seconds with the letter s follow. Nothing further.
10h14
